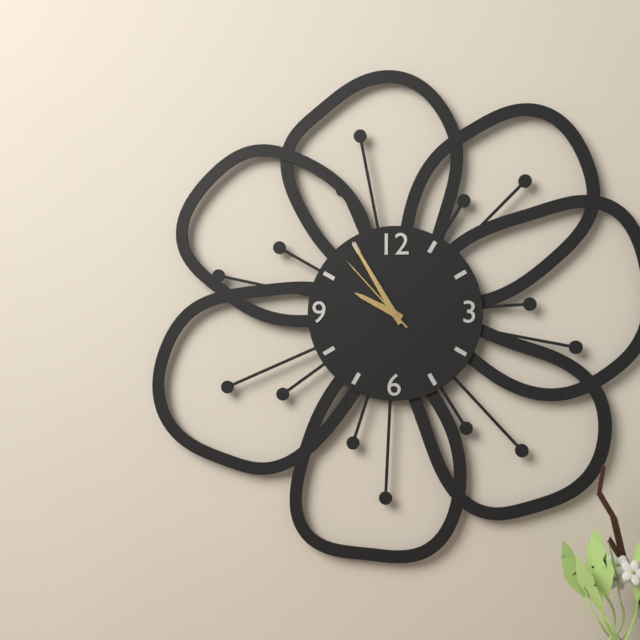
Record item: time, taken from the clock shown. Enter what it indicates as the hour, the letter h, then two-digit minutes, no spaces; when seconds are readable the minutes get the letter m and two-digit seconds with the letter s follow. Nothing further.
9h55m53s
